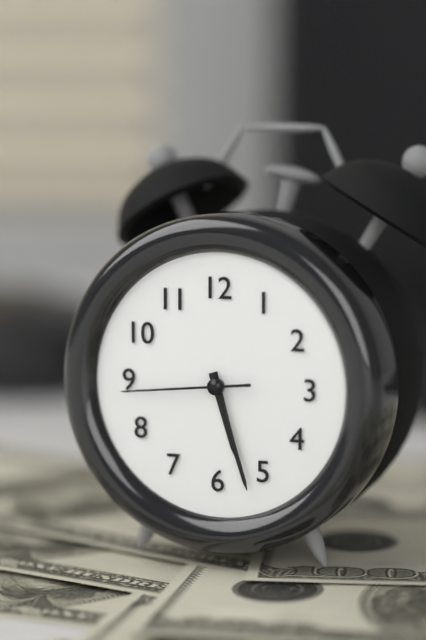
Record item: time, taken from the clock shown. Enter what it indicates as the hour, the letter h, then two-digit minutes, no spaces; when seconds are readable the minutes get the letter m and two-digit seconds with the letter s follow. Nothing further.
5h27m44s
